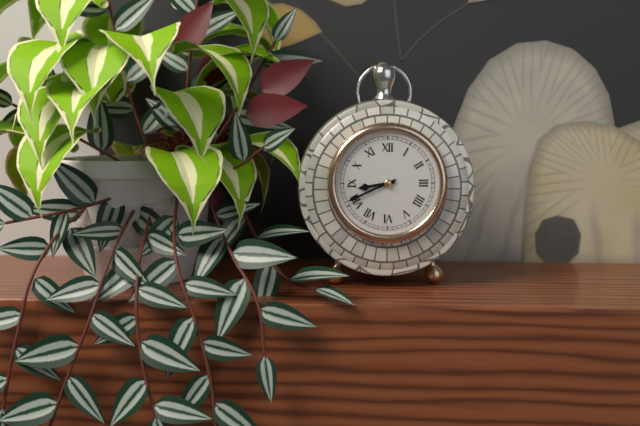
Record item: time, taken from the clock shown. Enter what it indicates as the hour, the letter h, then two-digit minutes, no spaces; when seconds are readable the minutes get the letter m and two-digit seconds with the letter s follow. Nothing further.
8h41
